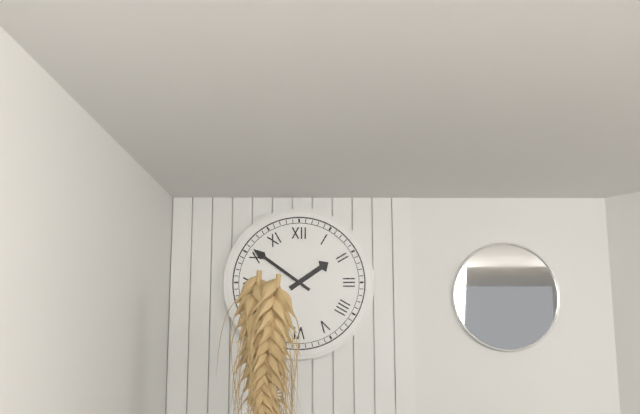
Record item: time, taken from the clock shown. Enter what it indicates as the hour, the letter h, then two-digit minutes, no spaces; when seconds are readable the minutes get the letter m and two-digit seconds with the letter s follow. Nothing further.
1h51
